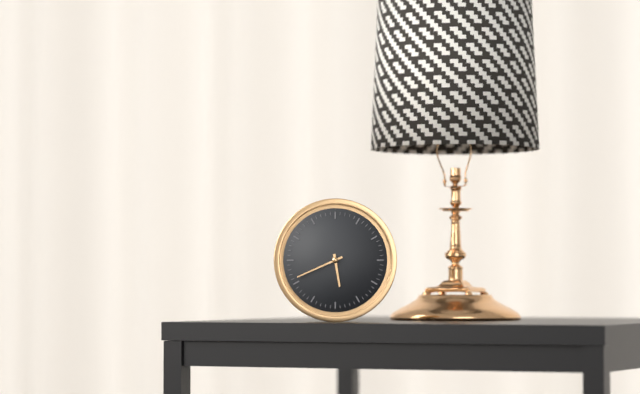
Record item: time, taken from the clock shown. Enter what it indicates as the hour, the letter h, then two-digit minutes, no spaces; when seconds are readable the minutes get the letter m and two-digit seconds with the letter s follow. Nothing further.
5h41
